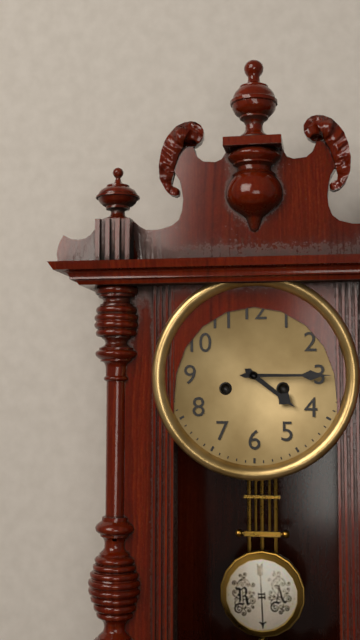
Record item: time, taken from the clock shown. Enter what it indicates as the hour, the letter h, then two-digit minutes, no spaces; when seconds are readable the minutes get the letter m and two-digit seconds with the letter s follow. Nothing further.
4h15
